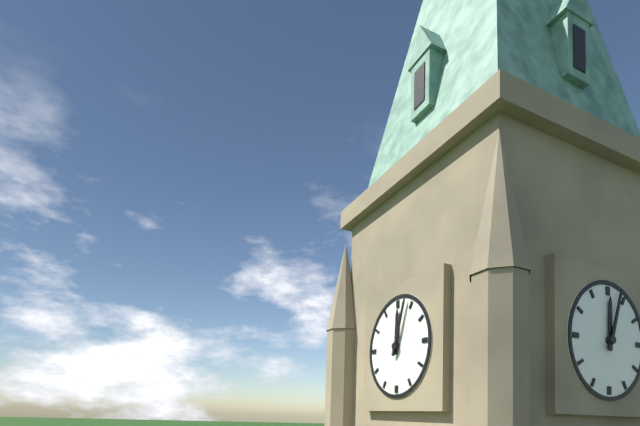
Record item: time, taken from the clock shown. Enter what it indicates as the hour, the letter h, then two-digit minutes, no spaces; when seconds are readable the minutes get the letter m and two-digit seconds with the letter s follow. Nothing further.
12h03
